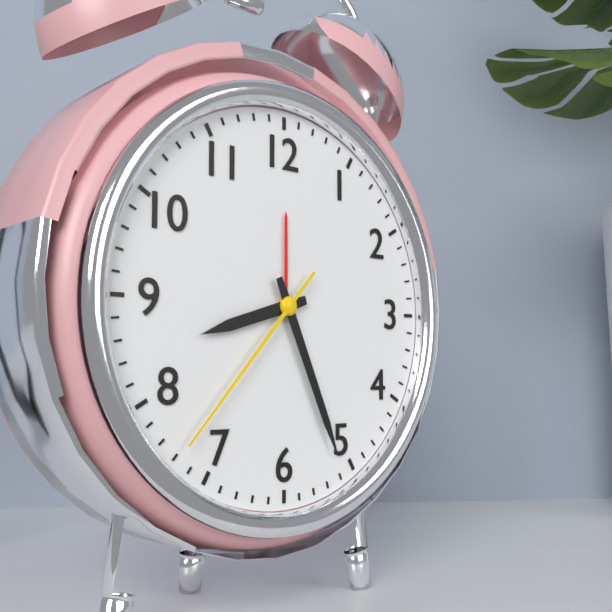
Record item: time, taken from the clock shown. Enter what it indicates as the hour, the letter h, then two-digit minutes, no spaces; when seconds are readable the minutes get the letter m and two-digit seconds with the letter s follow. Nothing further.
8h26m37s
